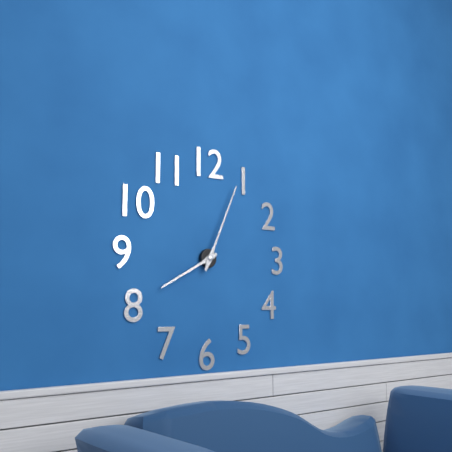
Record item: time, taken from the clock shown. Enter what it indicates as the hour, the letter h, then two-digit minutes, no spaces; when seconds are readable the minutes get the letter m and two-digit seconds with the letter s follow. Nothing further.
8h04
